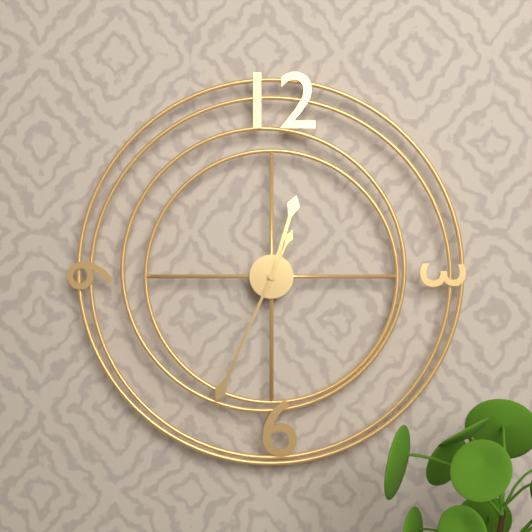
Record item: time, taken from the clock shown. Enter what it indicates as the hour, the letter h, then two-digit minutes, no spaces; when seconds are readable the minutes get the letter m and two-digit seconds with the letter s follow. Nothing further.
12h34
